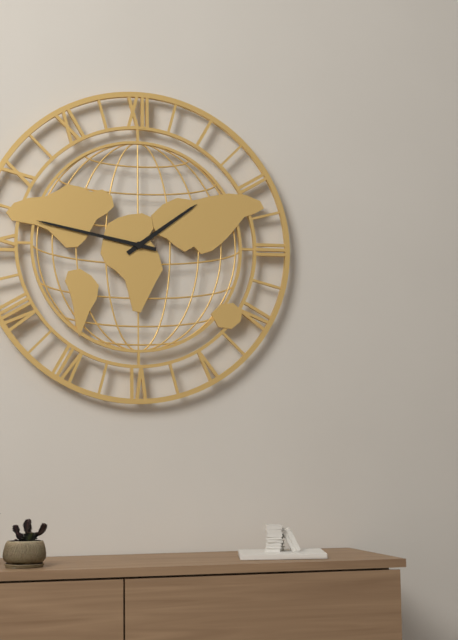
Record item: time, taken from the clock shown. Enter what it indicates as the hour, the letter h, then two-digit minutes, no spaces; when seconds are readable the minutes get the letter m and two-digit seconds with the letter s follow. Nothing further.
1h47
